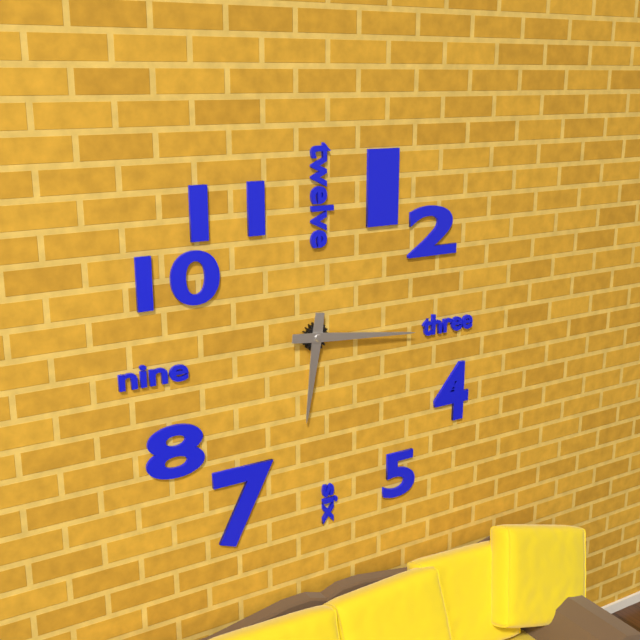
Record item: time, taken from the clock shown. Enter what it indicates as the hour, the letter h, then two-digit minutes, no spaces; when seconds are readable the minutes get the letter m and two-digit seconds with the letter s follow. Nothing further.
6h16
